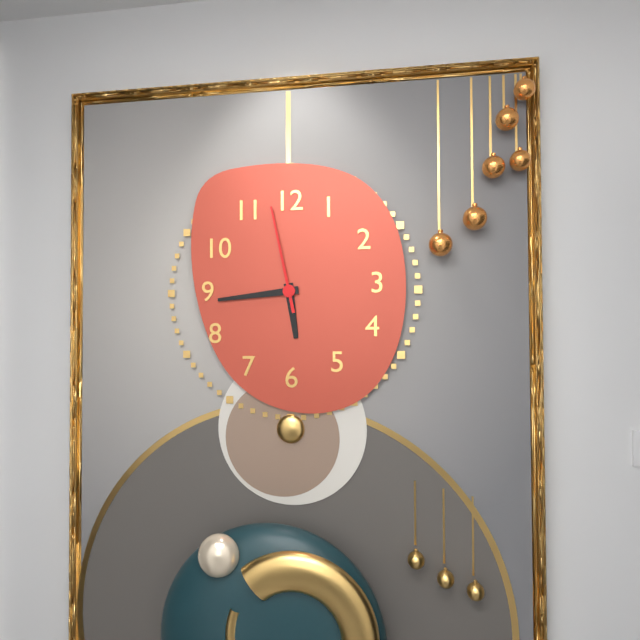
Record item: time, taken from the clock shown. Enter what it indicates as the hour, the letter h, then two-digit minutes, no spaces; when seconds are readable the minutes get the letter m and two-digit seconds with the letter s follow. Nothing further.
5h44m58s
